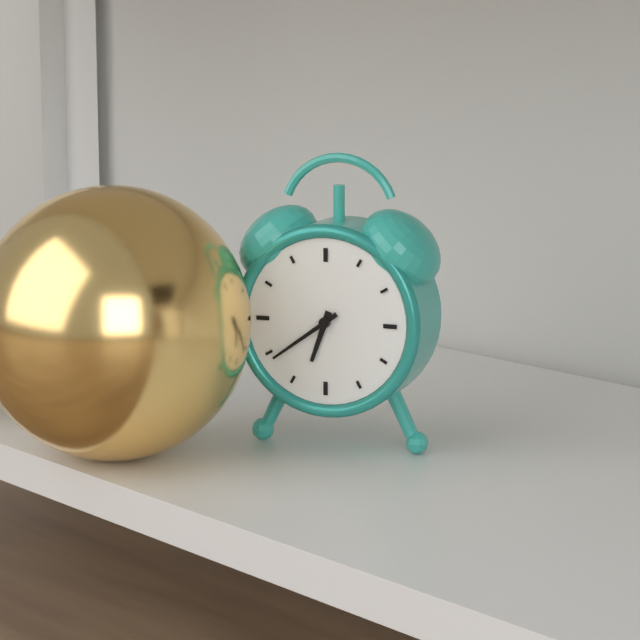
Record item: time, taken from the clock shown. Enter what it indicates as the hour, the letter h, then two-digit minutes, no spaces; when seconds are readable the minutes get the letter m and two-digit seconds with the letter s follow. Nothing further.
6h39
